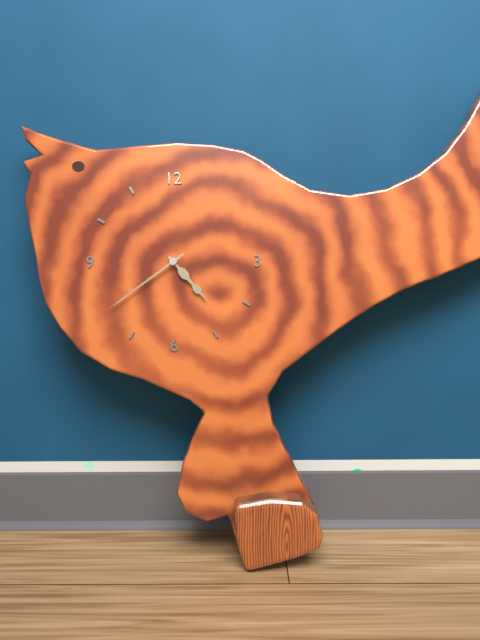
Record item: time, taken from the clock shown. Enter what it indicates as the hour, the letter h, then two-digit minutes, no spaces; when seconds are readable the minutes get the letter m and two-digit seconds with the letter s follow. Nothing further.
4h39
